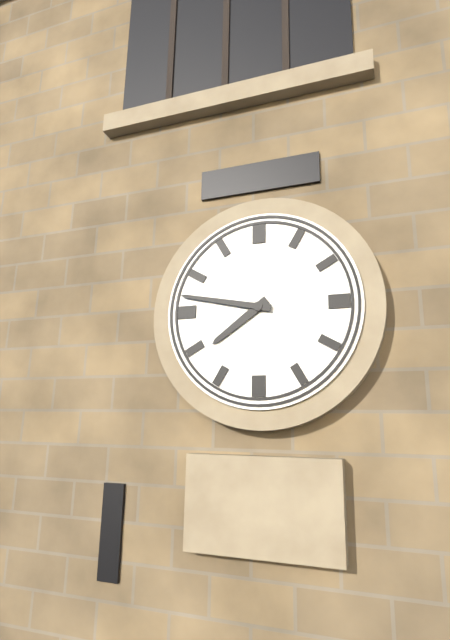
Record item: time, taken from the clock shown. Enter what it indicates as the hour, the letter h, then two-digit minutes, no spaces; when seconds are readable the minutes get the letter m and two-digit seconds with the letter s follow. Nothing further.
7h47
